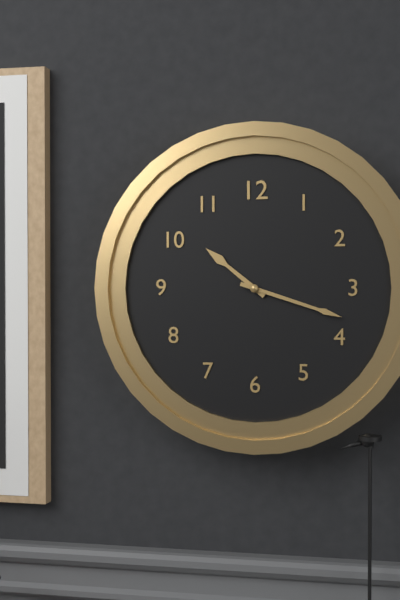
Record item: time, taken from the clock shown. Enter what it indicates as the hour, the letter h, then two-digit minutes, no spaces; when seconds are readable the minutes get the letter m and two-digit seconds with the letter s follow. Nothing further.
10h18
